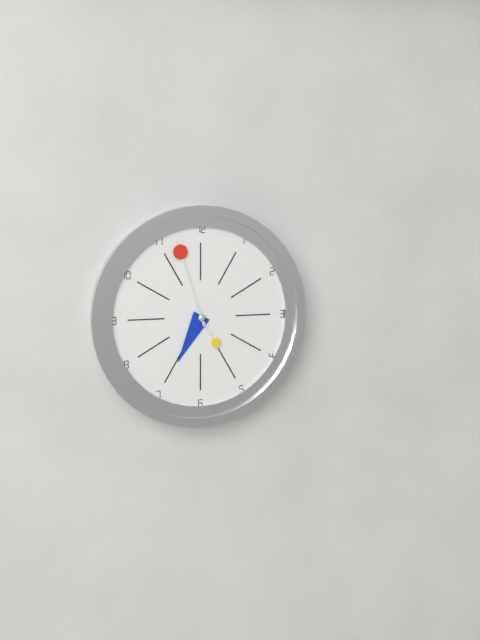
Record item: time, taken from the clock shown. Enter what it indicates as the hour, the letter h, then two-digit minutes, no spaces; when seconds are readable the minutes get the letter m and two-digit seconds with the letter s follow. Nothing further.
6h57m25s
